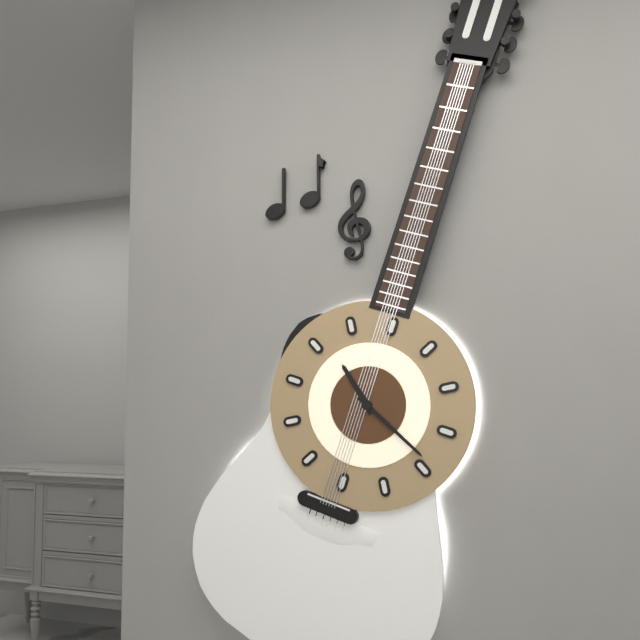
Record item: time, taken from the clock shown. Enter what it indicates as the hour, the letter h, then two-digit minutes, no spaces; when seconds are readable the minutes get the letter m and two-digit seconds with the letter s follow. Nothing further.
10h19
